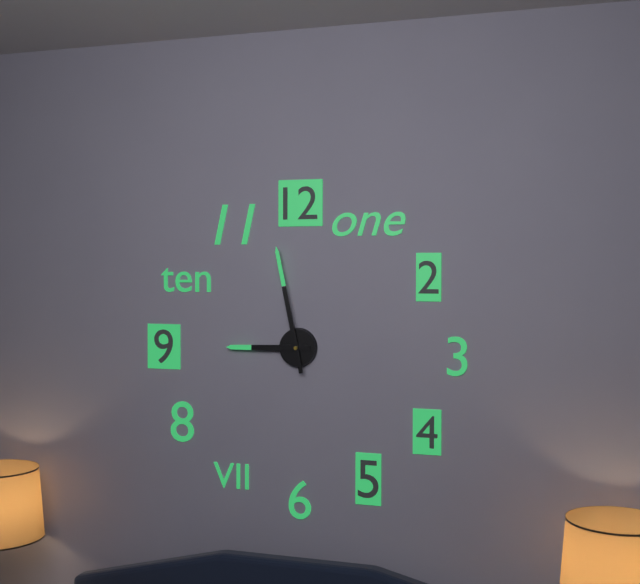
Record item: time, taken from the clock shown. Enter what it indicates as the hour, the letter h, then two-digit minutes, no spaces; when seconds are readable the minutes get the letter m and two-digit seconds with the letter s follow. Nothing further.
8h58
